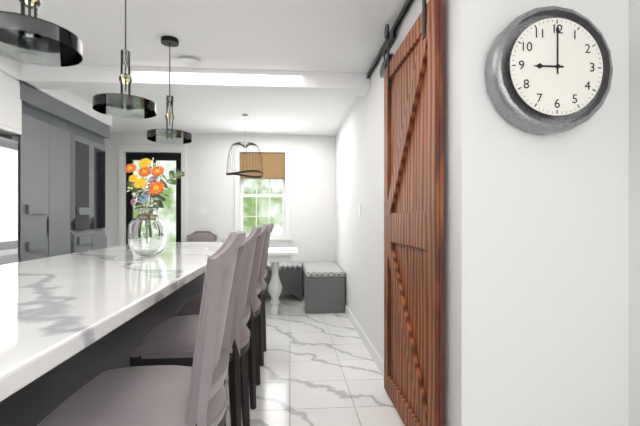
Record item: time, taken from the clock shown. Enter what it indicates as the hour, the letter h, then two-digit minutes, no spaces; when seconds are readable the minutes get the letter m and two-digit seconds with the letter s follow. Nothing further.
9h00
